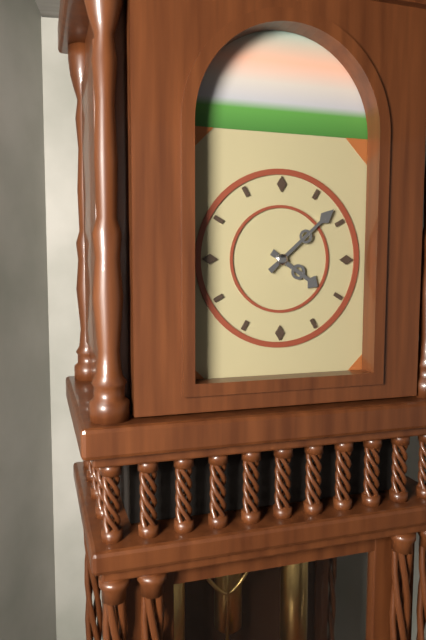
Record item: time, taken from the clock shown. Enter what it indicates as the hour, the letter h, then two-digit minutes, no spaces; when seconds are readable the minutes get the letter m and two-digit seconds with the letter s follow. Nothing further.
4h08
